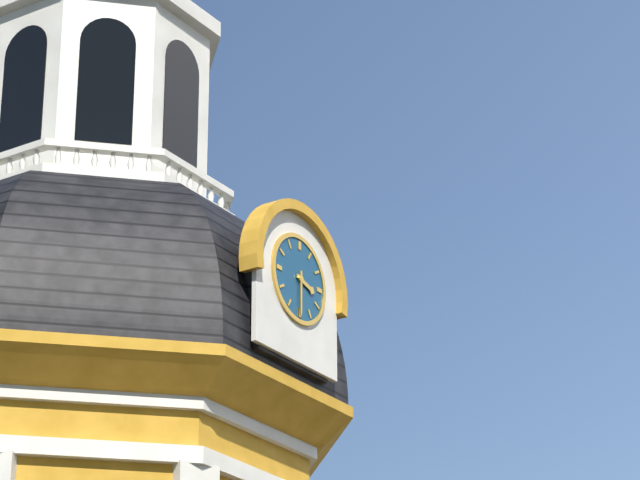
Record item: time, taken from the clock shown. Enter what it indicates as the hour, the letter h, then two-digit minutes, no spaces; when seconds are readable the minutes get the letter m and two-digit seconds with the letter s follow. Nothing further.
3h30
